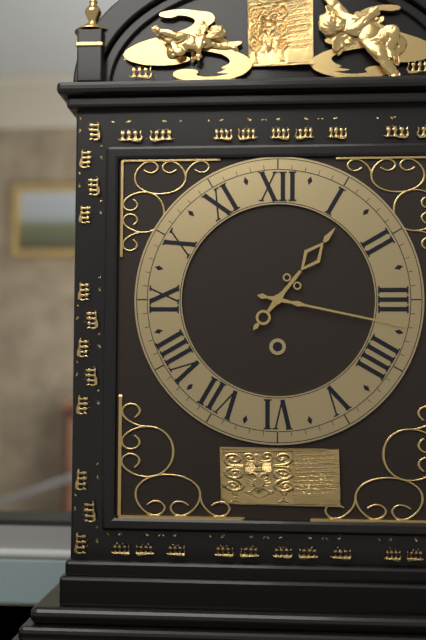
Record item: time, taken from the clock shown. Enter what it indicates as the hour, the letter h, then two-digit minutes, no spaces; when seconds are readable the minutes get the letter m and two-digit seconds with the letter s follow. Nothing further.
1h17
